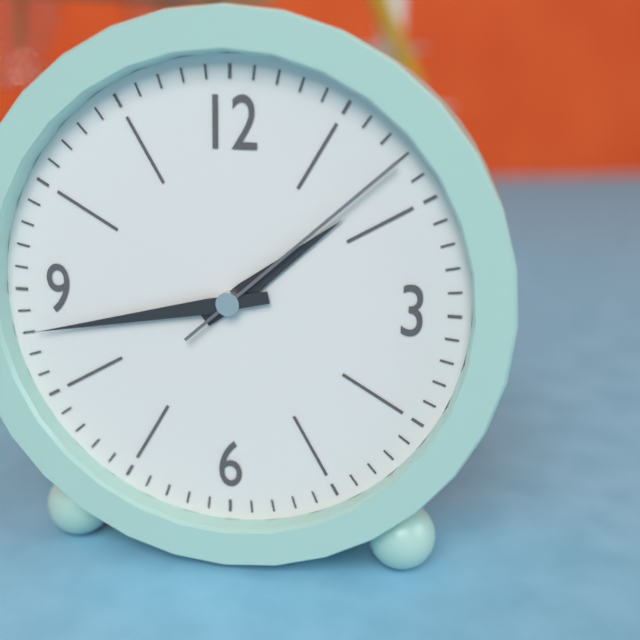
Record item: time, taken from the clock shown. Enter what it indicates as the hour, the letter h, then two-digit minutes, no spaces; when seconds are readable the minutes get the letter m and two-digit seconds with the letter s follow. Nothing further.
1h43m08s
